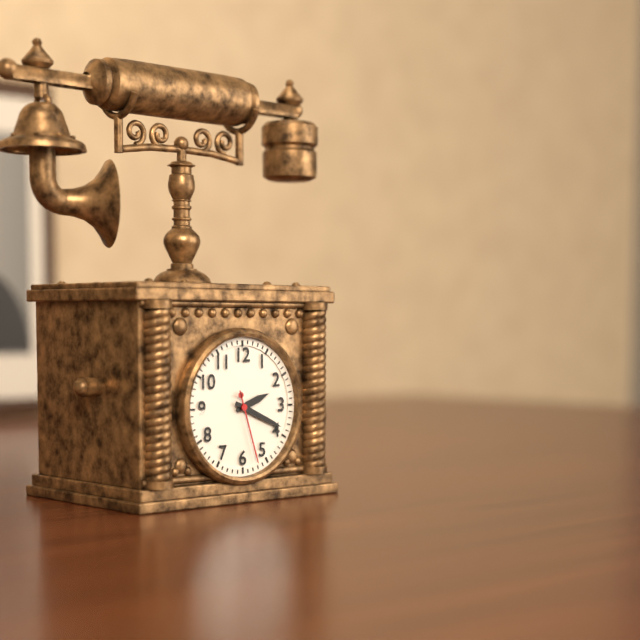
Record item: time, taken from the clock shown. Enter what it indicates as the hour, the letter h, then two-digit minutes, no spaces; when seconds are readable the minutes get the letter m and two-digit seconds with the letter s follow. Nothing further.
2h19m27s
